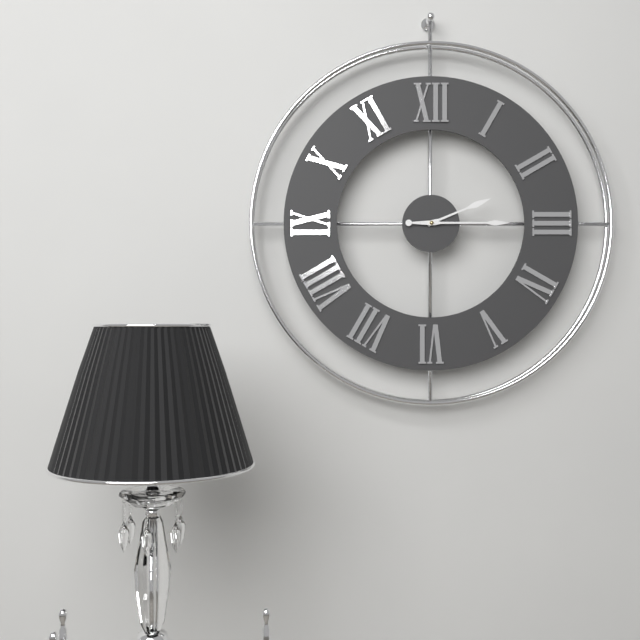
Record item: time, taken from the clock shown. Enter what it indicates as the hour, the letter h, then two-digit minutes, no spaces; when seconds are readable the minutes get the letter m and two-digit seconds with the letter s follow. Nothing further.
2h15
